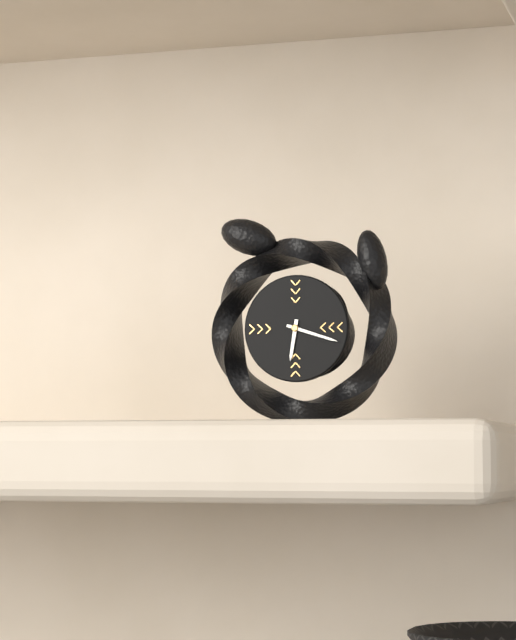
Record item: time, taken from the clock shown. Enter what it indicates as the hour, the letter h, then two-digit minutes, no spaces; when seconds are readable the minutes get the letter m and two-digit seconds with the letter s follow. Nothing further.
6h18
